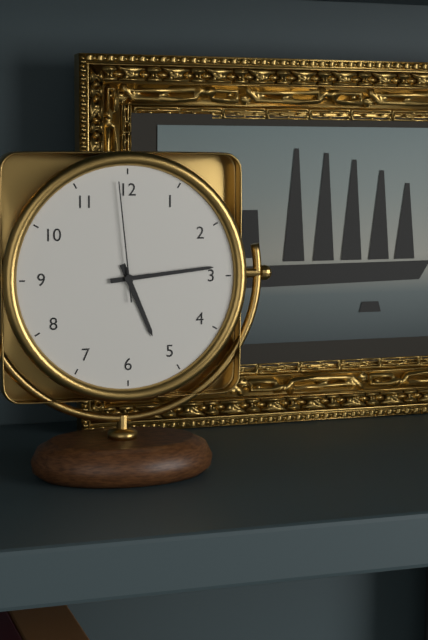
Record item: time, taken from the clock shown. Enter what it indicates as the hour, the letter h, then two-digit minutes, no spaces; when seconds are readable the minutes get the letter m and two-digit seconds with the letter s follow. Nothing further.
5h14m59s
